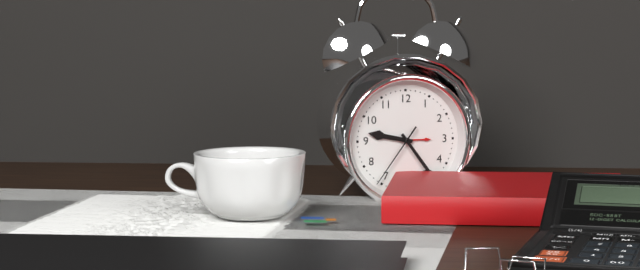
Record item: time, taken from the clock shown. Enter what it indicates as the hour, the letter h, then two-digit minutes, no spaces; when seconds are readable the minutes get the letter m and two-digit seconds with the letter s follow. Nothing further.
9h24m36s
